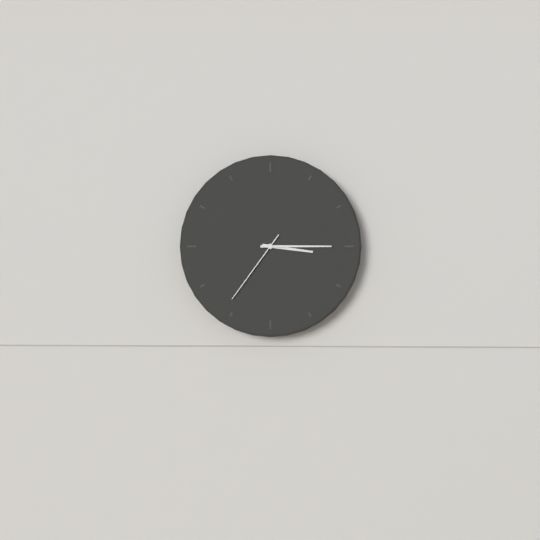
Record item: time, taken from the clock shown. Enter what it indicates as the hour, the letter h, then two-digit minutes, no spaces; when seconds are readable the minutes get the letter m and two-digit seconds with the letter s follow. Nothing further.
3h15m36s
